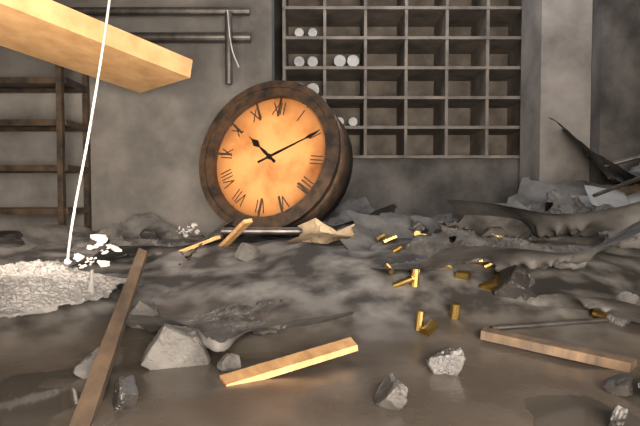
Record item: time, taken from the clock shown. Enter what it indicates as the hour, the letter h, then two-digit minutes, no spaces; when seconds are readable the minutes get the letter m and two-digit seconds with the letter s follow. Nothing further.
10h10
